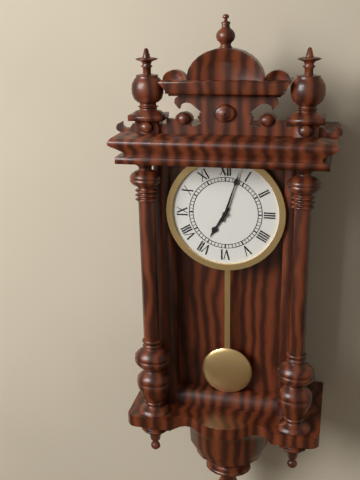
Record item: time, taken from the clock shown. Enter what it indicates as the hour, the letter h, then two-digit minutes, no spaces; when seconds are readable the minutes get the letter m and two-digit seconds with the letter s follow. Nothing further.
7h03
